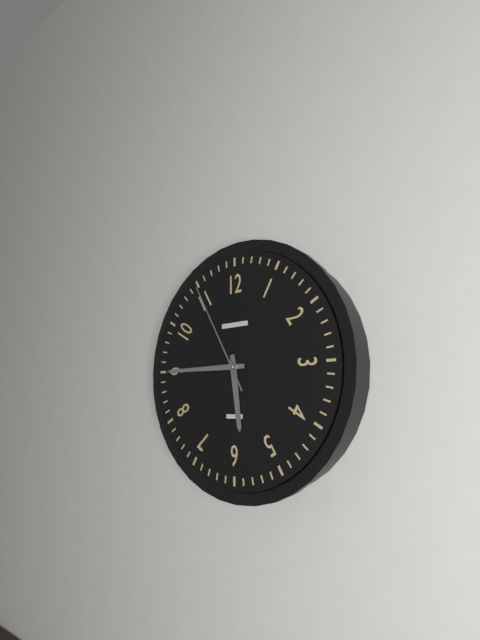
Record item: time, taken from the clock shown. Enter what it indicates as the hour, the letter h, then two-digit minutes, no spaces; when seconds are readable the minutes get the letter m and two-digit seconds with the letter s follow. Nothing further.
5h45m55s
